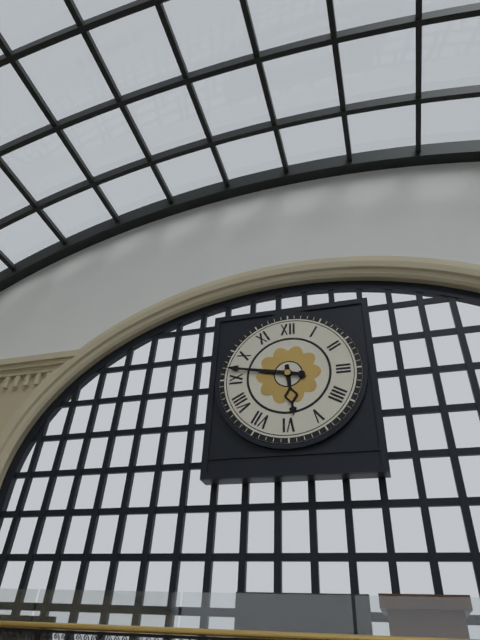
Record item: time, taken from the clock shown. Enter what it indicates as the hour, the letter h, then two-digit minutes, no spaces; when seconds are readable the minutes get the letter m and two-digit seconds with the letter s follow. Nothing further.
5h47
